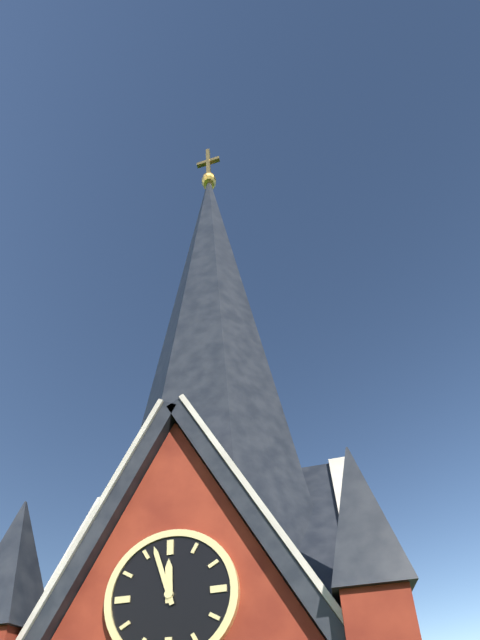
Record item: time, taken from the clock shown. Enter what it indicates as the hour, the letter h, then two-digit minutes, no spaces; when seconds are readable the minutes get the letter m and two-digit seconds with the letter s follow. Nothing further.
11h57
